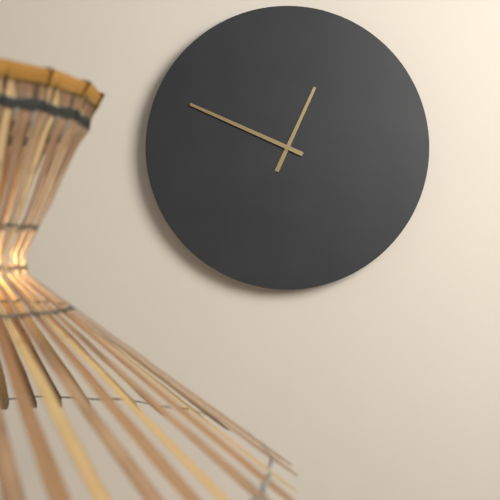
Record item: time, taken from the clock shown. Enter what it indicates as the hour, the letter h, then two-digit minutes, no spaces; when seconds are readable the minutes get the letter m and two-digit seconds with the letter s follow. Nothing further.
12h49
